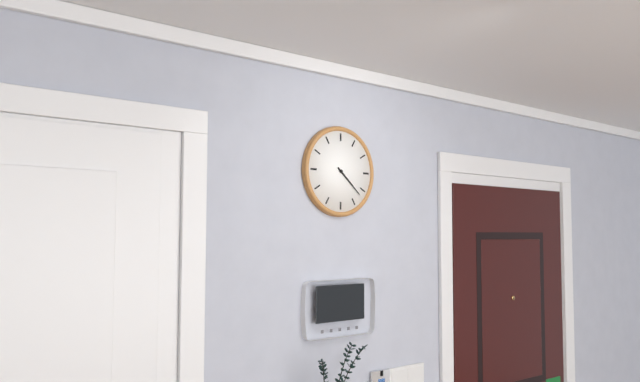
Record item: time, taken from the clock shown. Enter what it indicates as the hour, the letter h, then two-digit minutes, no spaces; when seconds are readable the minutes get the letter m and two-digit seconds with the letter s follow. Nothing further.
4h22
